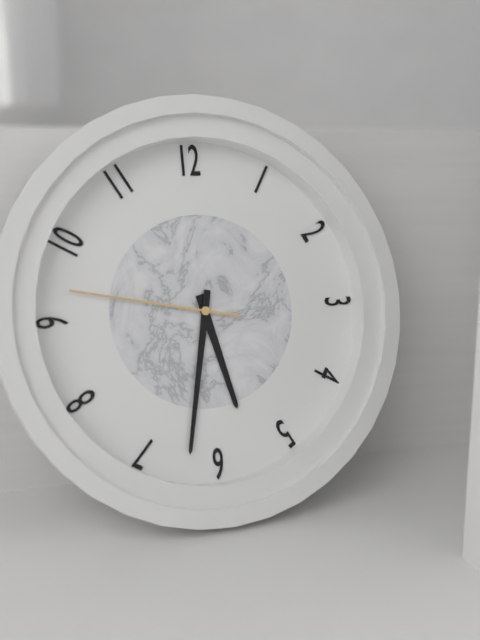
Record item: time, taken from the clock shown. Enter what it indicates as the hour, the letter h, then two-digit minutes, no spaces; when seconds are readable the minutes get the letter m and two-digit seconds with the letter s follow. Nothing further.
5h32m47s
